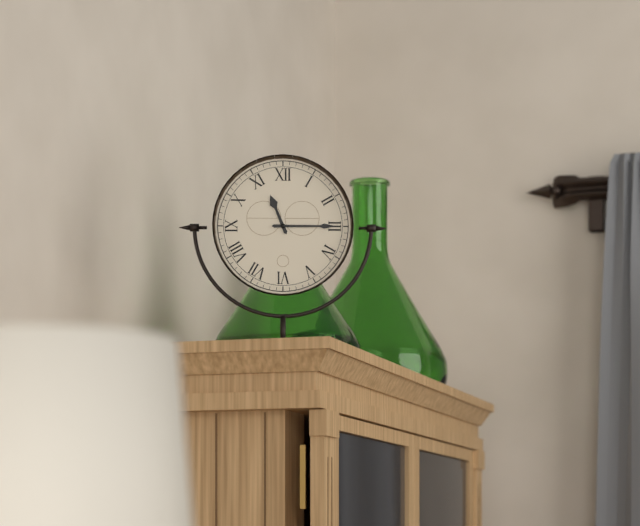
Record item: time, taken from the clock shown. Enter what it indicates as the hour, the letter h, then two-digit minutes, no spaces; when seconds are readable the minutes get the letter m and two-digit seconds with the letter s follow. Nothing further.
11h15
